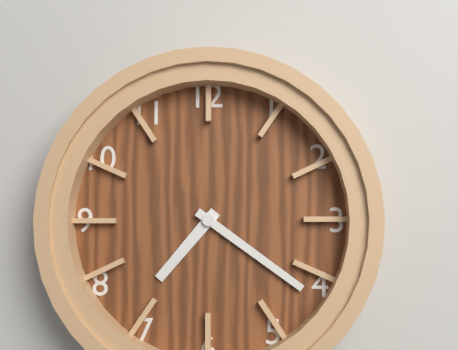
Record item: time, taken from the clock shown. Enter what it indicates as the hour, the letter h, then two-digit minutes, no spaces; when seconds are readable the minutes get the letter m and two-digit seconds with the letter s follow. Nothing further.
7h21
